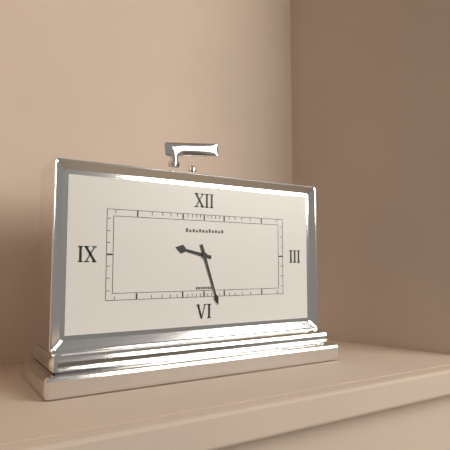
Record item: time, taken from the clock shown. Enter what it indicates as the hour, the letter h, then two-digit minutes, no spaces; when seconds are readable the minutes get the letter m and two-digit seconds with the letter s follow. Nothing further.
9h27
